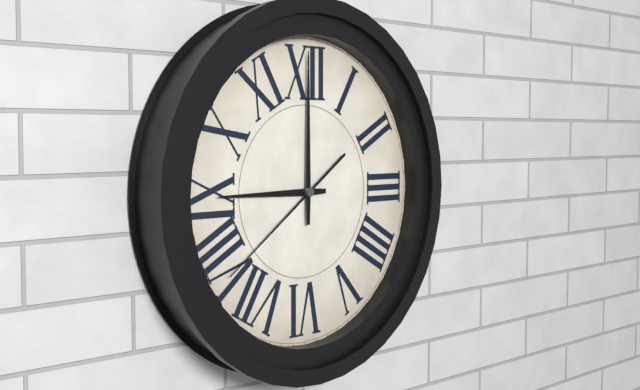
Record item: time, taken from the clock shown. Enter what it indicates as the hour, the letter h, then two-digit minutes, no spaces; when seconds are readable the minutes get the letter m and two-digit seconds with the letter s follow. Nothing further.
9h00m39s
